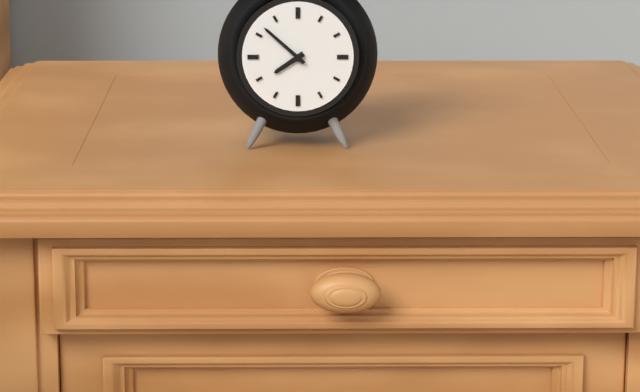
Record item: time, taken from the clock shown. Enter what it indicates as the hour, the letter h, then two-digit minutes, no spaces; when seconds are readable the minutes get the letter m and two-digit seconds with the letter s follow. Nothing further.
7h52
